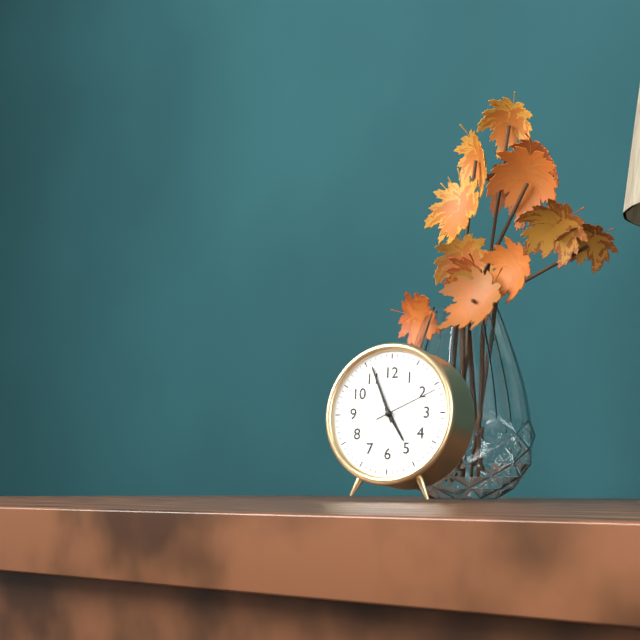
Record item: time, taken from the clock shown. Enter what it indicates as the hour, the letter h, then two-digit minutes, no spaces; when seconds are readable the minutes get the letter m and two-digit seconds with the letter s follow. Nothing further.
4h56m11s
